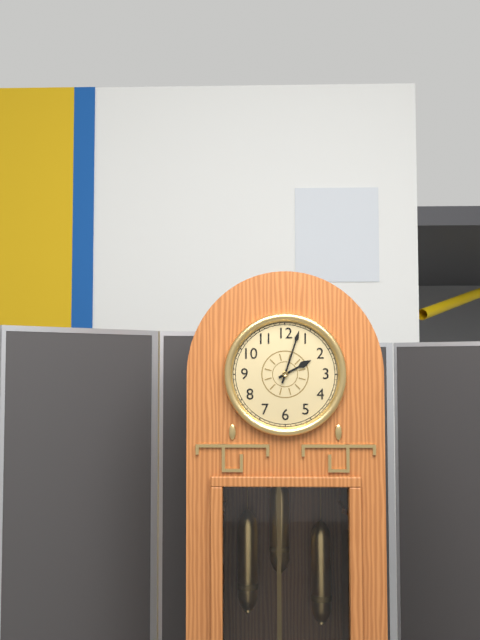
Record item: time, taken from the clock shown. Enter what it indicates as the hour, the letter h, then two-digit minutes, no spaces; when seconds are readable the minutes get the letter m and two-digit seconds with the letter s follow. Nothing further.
2h03
